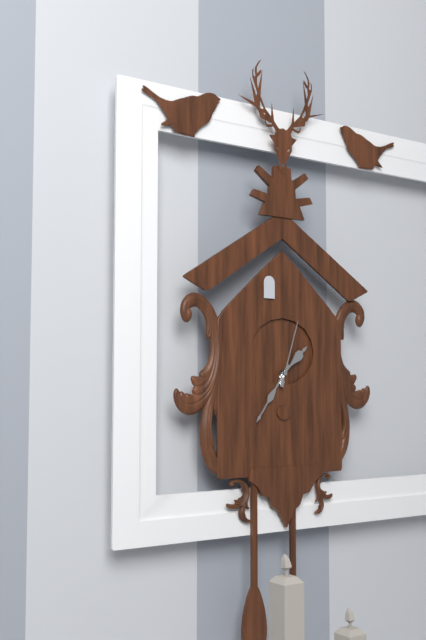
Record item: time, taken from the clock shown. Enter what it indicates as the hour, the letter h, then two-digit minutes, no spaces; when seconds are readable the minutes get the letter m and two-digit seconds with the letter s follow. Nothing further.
1h36m03s
